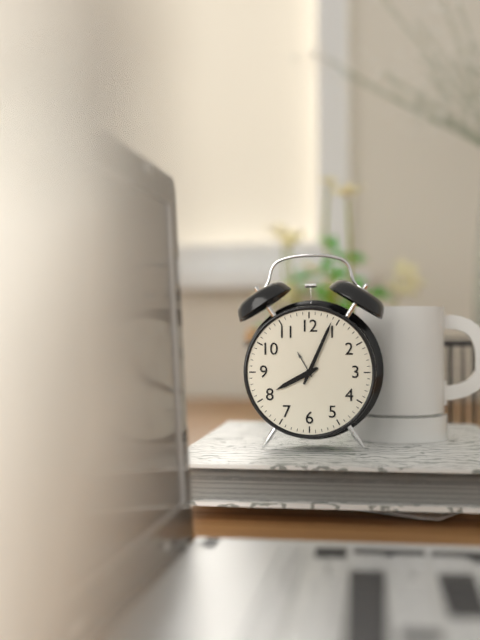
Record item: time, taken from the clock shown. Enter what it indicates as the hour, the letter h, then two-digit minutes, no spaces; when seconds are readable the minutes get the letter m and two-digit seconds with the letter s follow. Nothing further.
8h04
